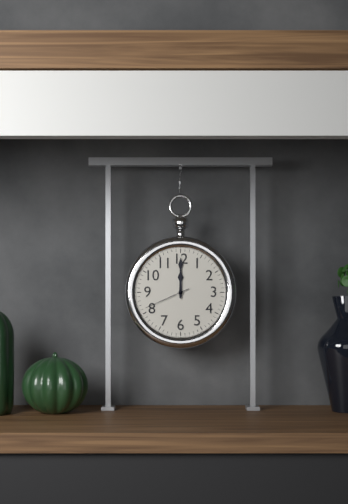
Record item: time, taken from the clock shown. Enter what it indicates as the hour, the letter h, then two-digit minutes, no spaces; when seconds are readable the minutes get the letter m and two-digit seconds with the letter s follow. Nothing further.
12h00
